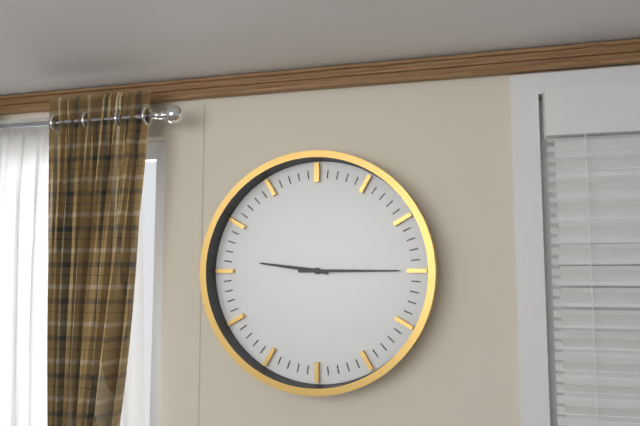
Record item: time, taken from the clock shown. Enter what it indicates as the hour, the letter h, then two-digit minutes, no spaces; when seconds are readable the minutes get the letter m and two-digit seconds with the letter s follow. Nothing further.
9h15
